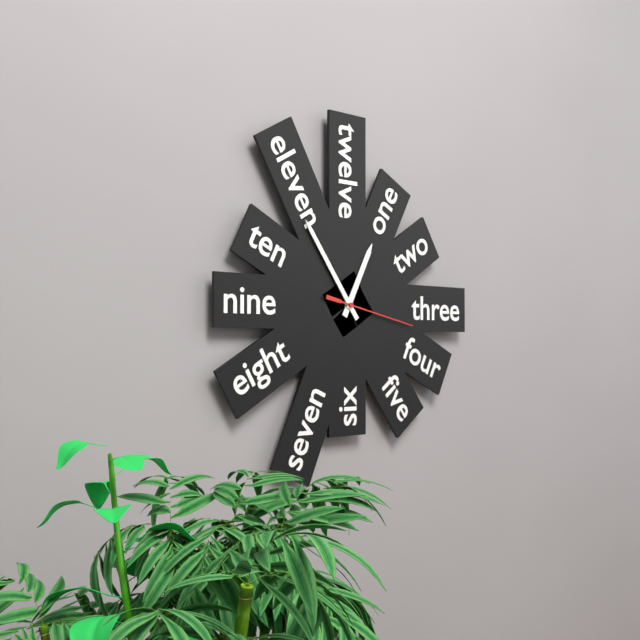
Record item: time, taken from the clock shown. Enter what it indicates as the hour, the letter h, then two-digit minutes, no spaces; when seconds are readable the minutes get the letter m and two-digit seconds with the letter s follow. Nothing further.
12h54m17s
